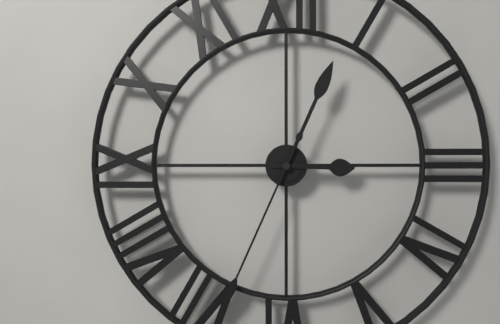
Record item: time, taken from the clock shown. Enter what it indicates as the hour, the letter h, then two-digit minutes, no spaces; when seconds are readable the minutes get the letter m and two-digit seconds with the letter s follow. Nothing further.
3h04m34s
